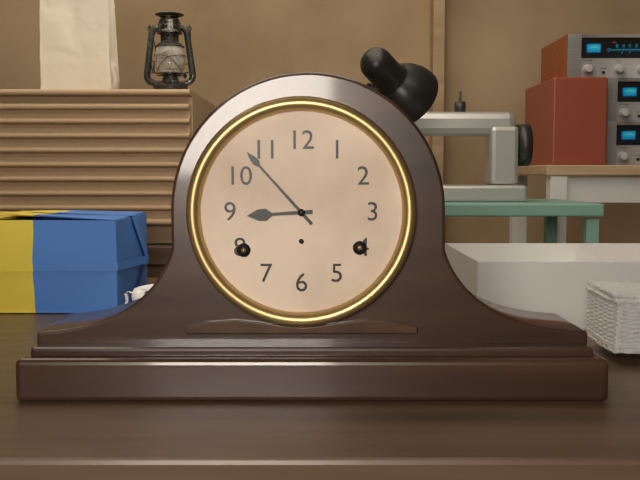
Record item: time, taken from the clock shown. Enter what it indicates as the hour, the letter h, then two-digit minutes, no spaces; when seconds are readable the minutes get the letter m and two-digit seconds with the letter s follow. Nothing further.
8h53
